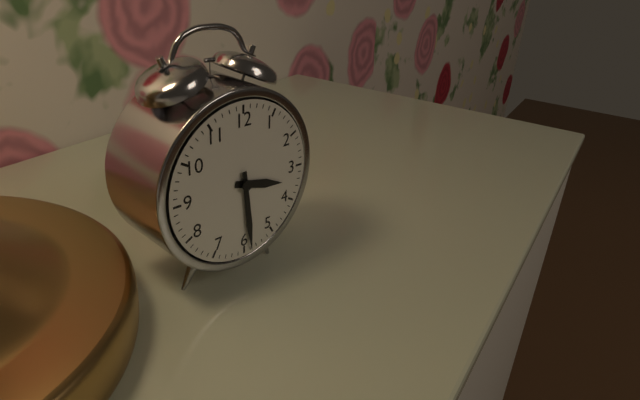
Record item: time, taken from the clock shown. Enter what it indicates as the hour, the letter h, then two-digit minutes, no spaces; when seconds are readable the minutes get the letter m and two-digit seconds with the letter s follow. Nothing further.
3h29
